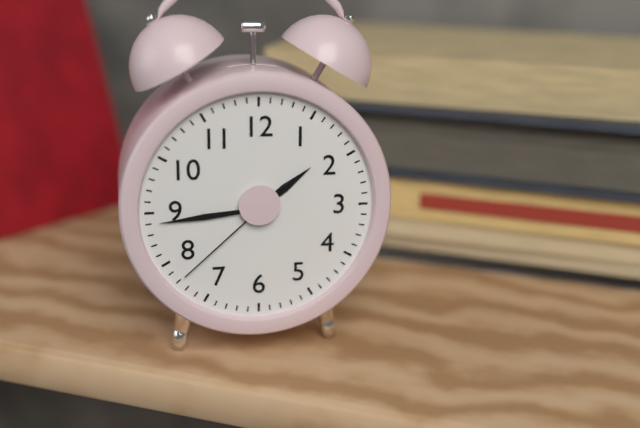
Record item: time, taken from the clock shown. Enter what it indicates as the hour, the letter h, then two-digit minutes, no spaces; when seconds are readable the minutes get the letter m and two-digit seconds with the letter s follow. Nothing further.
1h44m38s
